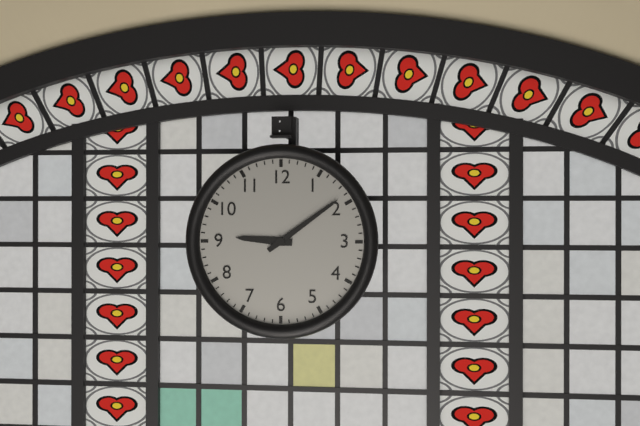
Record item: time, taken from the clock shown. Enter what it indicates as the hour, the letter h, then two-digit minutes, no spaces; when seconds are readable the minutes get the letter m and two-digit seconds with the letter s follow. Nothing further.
9h09
